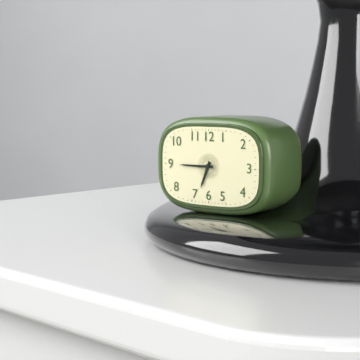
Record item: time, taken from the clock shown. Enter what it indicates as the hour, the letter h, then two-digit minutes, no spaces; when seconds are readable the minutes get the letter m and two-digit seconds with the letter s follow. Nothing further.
6h45
